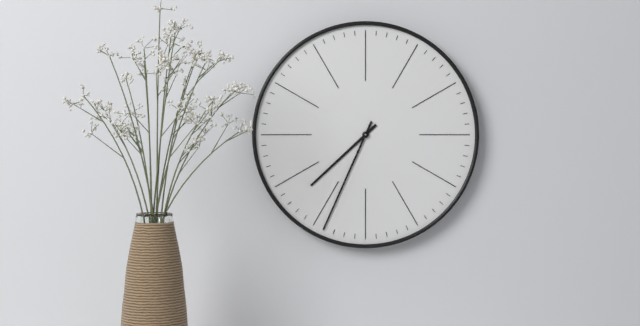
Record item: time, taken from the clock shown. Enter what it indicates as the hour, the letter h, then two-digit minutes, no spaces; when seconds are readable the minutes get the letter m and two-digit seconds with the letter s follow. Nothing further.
7h34
